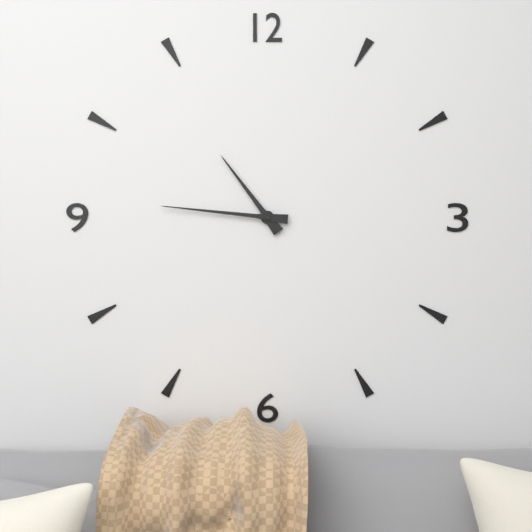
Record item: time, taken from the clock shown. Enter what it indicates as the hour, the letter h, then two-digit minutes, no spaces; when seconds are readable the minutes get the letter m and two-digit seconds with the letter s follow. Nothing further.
10h46
